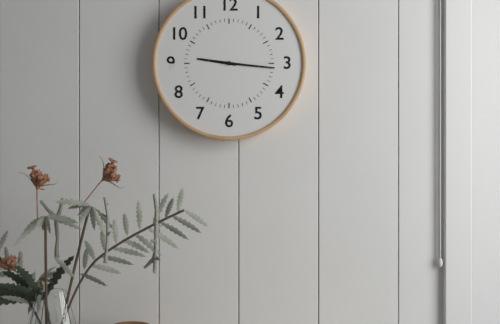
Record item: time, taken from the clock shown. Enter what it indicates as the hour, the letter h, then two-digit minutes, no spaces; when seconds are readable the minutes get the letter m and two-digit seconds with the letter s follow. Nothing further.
9h16
